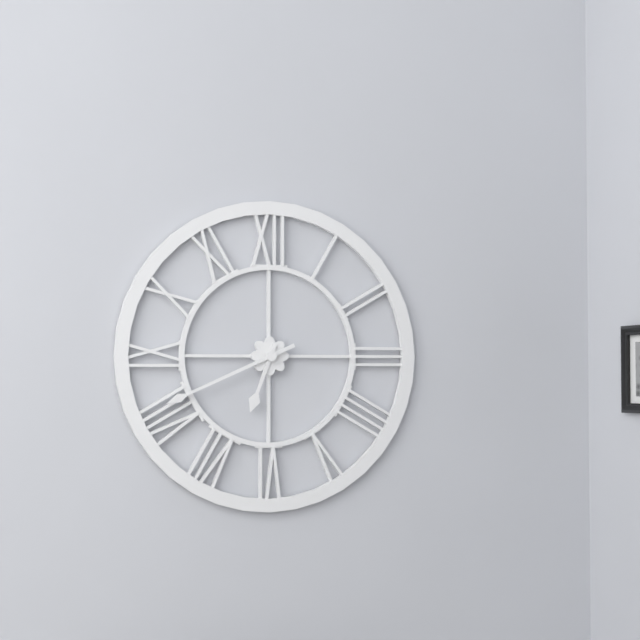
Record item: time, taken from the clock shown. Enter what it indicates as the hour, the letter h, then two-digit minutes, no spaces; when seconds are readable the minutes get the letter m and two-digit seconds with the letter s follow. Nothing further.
6h41
